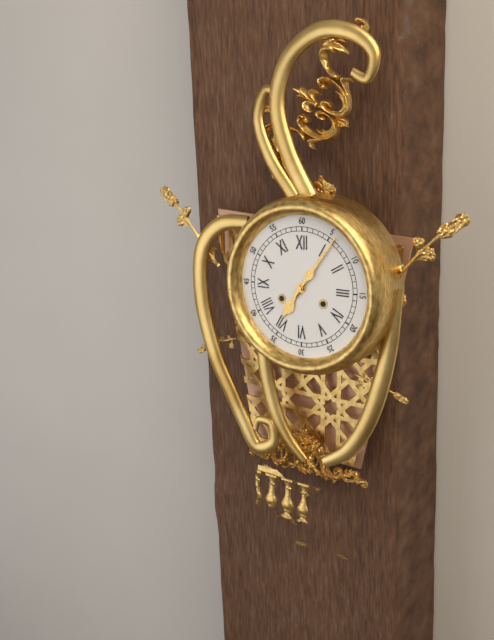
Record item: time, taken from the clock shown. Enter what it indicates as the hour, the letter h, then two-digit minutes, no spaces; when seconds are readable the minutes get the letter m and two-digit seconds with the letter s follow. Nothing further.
7h06
